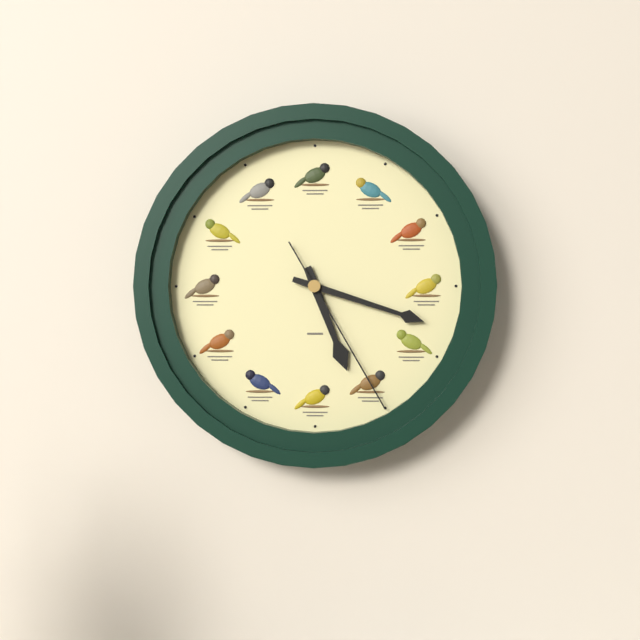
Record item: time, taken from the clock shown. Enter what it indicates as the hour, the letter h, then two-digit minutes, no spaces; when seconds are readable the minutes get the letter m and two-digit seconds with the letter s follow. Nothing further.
5h18m25s
